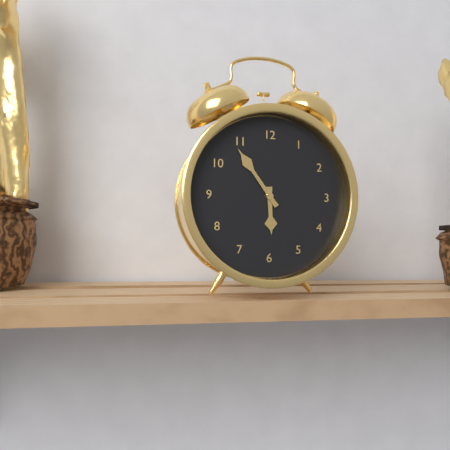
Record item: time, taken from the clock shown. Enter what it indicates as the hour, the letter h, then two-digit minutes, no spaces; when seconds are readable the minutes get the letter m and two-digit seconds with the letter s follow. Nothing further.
5h54
